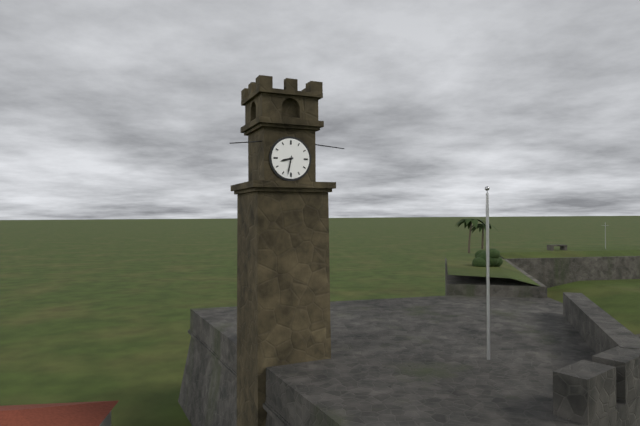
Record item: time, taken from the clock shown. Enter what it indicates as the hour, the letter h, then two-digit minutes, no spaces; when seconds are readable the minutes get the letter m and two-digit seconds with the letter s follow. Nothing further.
8h32
